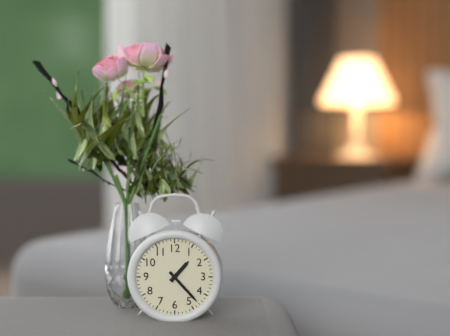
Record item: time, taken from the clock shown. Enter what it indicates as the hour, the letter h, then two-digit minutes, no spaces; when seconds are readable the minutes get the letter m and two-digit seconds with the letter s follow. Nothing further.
1h23
